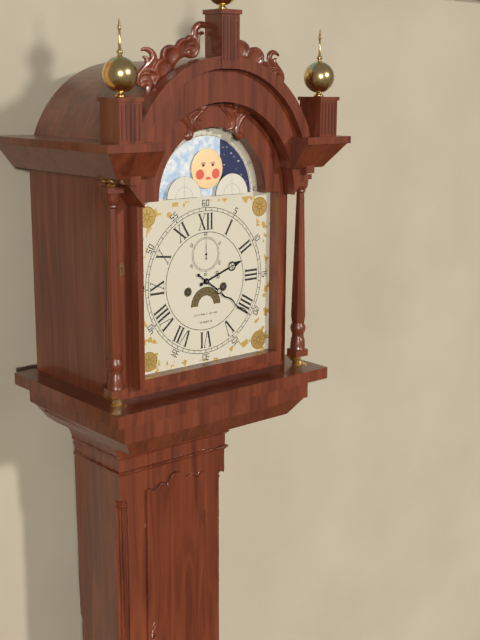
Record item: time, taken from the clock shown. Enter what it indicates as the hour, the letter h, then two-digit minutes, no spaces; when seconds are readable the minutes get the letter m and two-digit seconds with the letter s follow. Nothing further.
2h21
